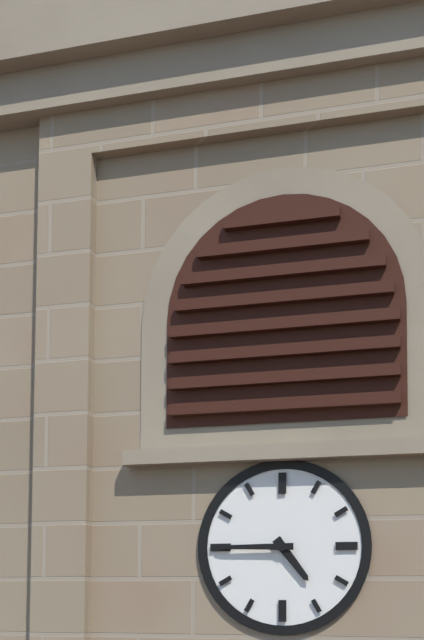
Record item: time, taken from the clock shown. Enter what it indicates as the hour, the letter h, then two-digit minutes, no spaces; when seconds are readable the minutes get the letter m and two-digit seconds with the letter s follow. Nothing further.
4h45
